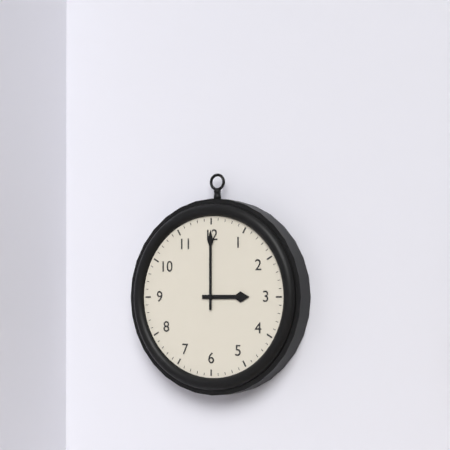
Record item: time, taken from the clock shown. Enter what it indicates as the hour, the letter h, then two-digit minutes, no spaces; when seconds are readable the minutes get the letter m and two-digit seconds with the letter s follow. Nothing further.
3h00
